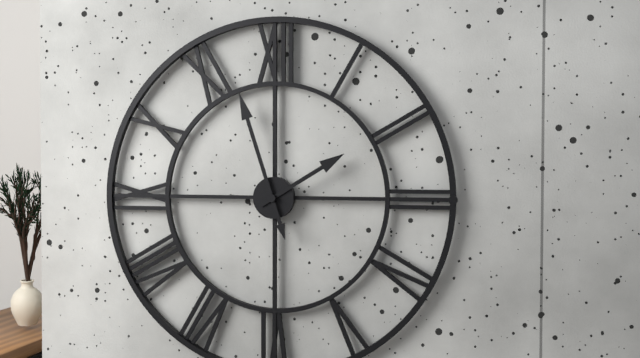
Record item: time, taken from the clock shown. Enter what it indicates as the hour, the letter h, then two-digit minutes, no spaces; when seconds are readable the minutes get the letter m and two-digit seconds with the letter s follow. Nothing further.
1h57
